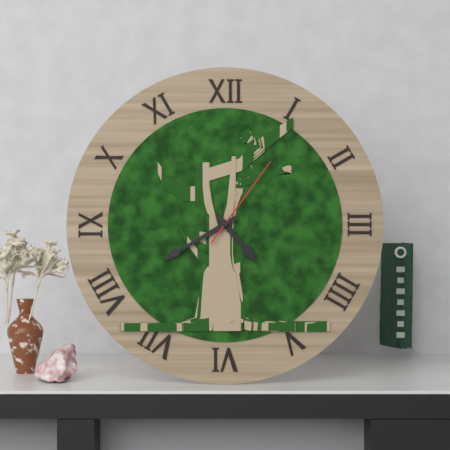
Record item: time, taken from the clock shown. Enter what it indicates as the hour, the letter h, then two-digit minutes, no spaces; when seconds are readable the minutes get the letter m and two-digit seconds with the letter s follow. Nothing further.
4h40m06s
